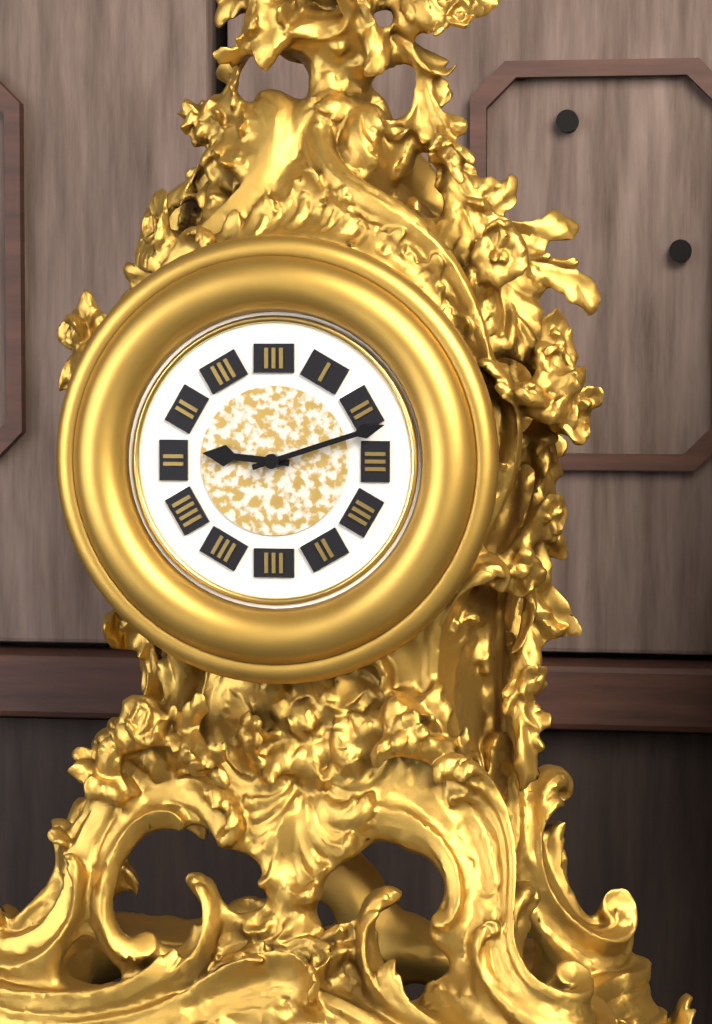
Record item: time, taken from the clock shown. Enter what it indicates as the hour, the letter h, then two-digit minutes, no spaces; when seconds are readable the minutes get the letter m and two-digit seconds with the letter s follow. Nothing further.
9h12
